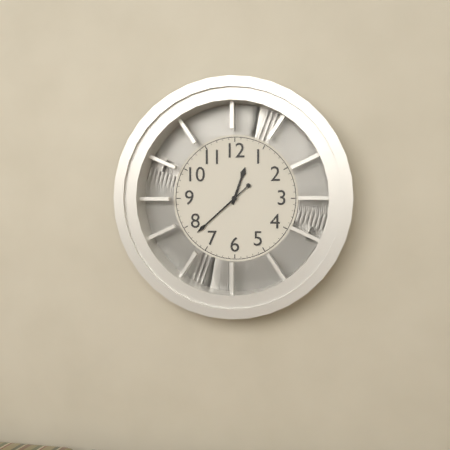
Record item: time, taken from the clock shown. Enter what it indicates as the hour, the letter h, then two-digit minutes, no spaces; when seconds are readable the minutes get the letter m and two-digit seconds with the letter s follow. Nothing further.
12h38
